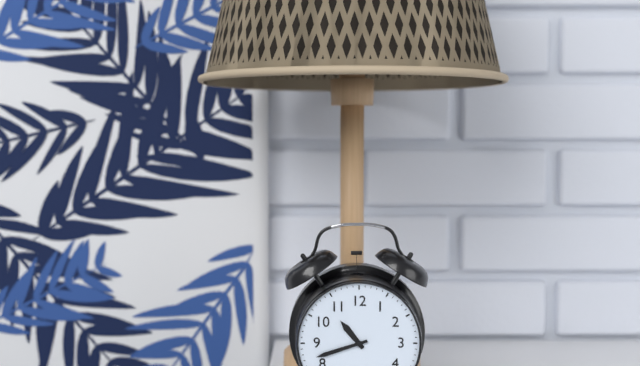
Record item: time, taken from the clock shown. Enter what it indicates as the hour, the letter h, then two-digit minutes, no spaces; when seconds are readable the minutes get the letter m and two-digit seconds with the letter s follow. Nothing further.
10h42
